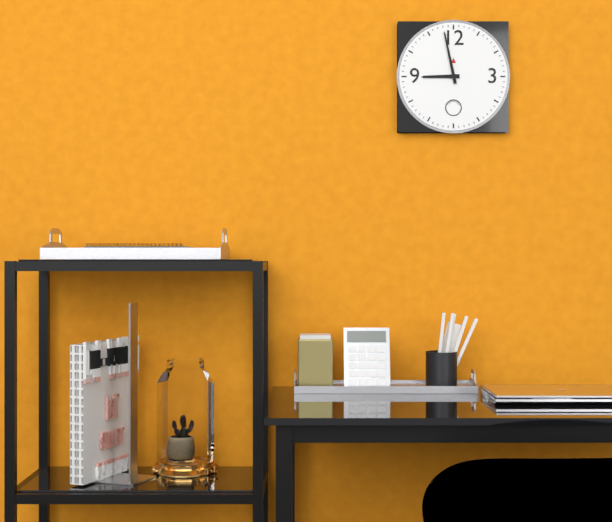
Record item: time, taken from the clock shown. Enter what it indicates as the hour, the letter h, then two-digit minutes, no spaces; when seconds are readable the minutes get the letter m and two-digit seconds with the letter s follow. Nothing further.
8h58
